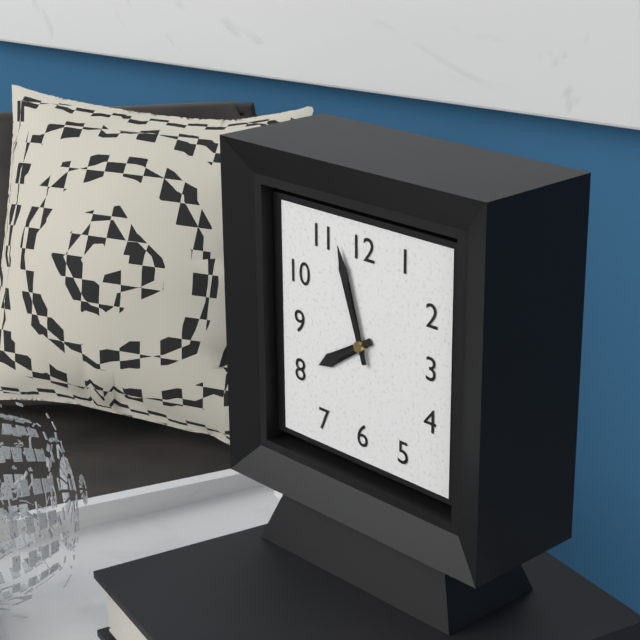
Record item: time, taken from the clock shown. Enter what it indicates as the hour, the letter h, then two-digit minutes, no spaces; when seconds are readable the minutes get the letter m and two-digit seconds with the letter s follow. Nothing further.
7h57
